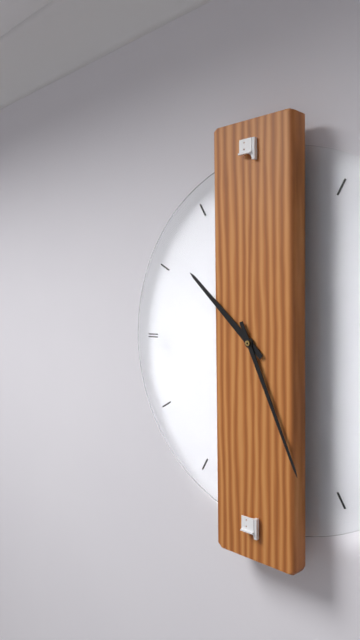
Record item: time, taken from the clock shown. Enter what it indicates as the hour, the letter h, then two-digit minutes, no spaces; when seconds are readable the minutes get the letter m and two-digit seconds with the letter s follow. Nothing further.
10h26
